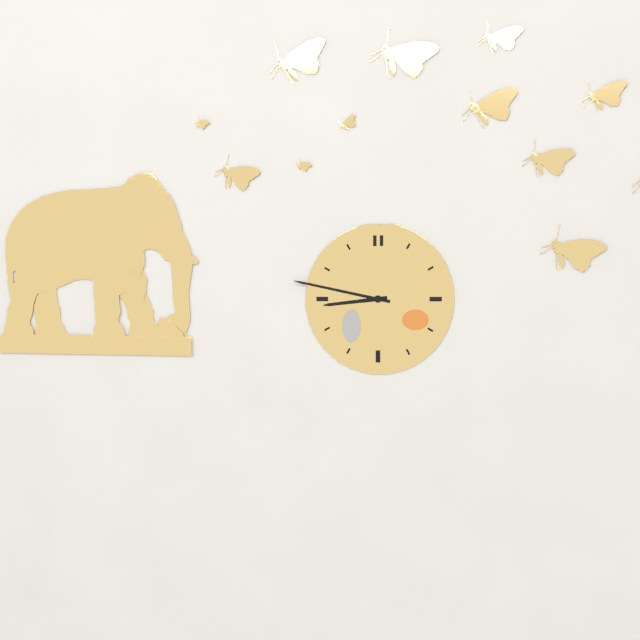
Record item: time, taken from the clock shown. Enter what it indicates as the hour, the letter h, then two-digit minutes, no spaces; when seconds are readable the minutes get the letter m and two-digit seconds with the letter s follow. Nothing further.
8h47
